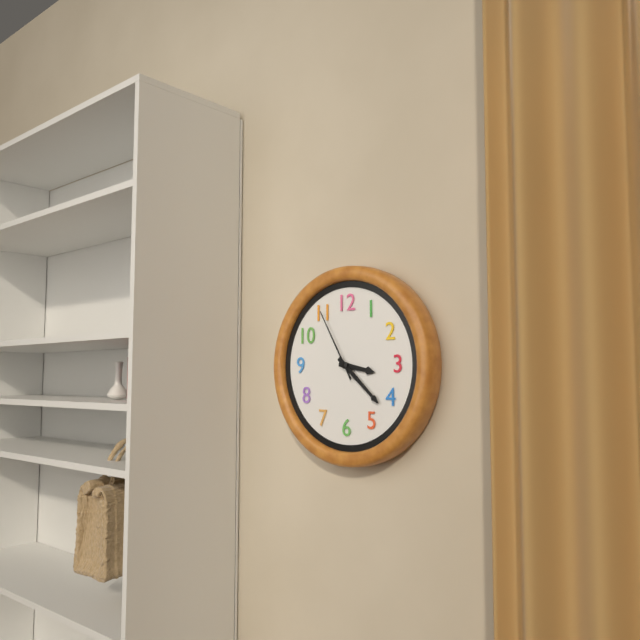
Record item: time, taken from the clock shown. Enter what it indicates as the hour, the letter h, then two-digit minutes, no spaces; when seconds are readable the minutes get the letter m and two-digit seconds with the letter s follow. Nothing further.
3h22m55s
